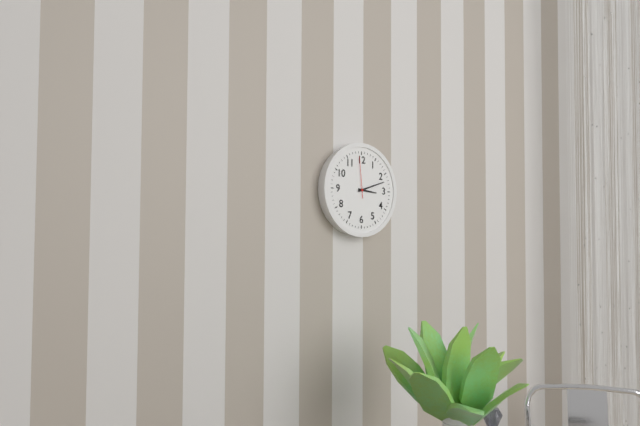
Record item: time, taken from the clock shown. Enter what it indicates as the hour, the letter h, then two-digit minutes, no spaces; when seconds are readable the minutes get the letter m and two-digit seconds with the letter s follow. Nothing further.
3h12
